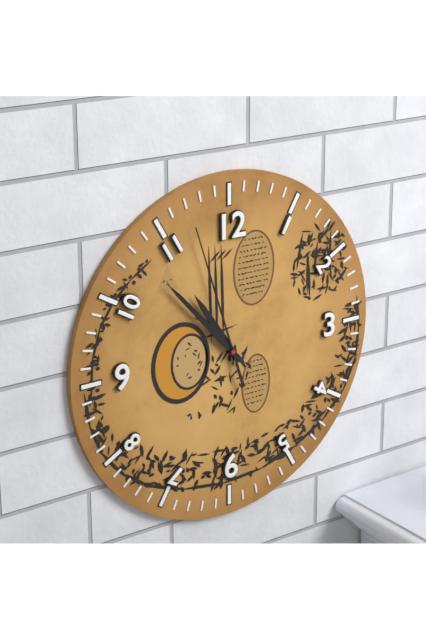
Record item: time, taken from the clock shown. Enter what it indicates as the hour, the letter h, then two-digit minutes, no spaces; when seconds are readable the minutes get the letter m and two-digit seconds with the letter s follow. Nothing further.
10h53m57s
